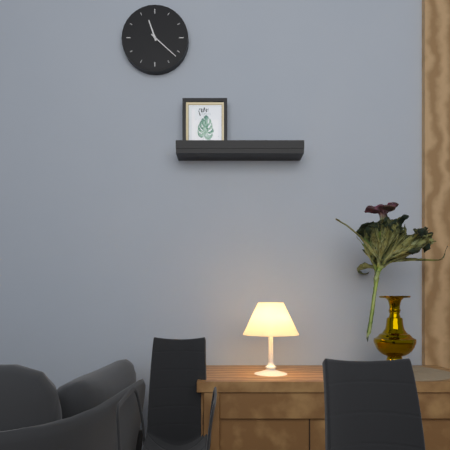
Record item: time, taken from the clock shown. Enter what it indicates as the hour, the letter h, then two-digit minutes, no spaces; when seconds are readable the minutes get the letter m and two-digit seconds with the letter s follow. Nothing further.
11h22
